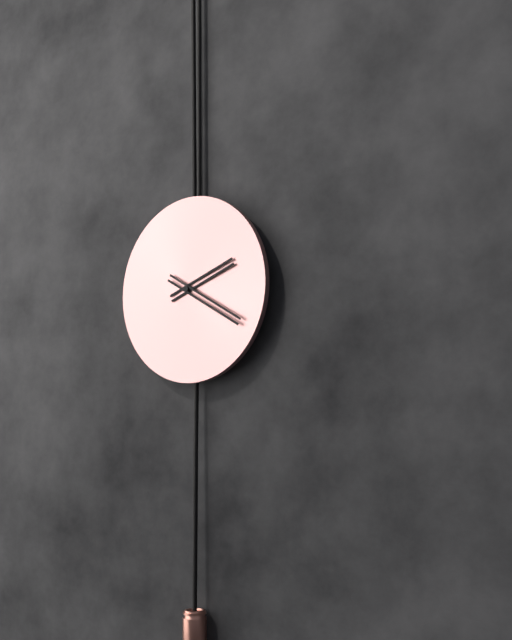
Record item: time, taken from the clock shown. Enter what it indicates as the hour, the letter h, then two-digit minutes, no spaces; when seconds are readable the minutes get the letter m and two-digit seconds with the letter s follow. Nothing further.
2h20
